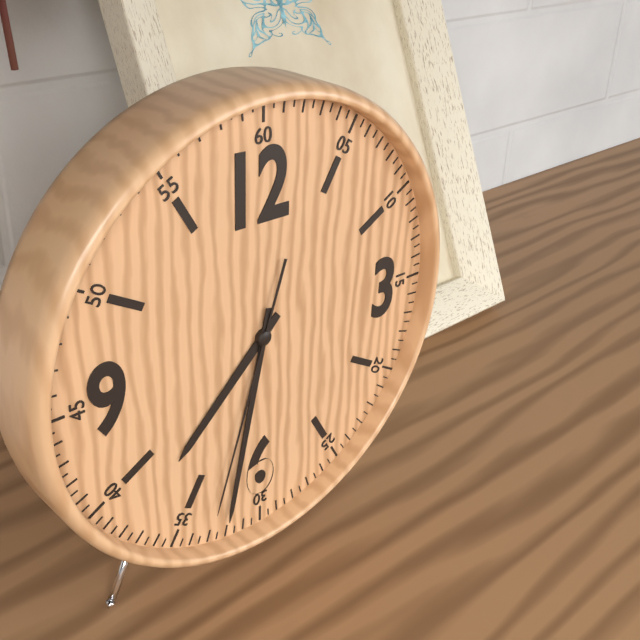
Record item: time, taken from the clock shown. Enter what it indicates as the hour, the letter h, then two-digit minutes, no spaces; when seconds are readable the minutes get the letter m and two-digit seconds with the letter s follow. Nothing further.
7h32m33s
